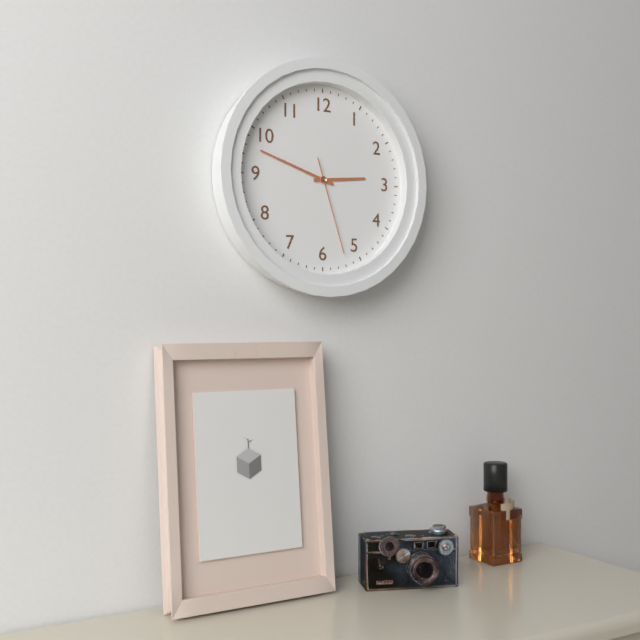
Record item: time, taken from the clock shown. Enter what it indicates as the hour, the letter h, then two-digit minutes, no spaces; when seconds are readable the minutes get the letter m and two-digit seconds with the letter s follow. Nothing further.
2h48m27s
